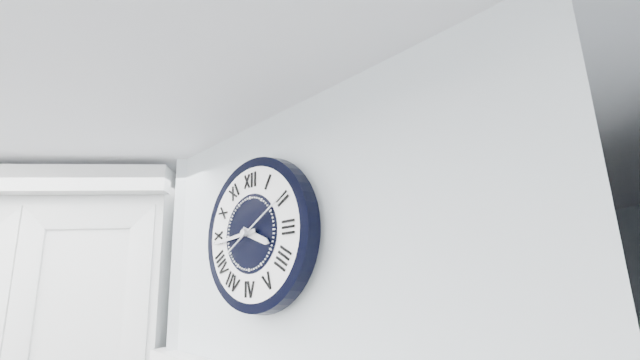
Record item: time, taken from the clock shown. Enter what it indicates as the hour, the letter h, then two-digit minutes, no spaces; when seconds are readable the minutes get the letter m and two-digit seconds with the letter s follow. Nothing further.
3h44m10s
